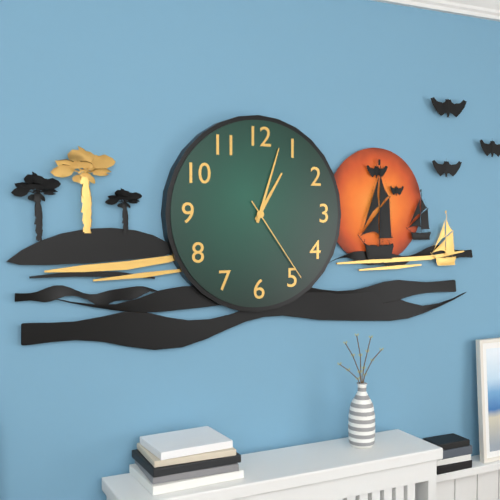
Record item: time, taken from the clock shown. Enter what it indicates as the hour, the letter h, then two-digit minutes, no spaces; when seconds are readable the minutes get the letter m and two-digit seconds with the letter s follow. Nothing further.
1h03m24s
